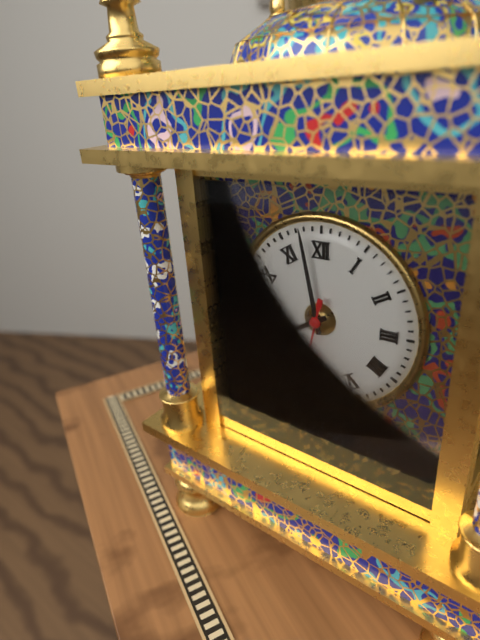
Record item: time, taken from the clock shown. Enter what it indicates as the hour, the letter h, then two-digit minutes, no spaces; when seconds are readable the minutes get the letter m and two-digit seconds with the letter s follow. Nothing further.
7h58m32s
